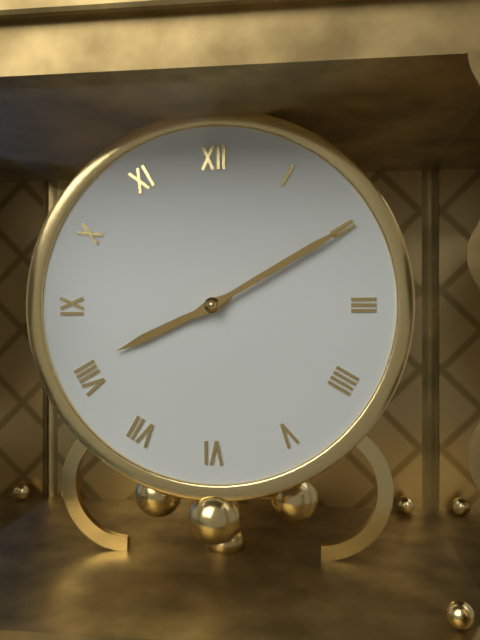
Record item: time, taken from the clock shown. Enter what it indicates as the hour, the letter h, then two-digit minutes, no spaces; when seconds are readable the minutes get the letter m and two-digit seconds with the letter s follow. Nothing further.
8h10
